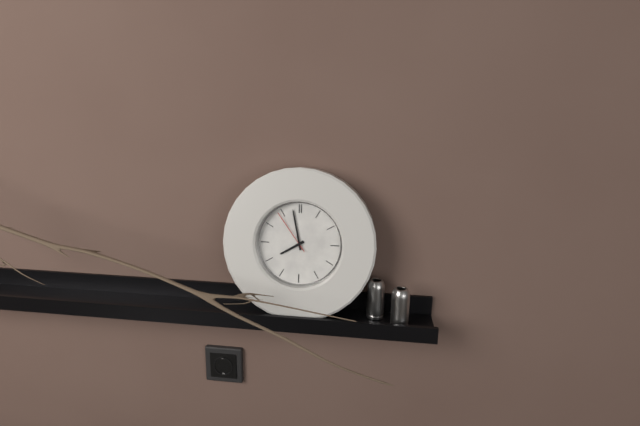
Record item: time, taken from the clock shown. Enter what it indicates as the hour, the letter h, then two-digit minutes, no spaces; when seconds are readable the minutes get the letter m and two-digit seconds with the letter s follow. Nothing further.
7h58
